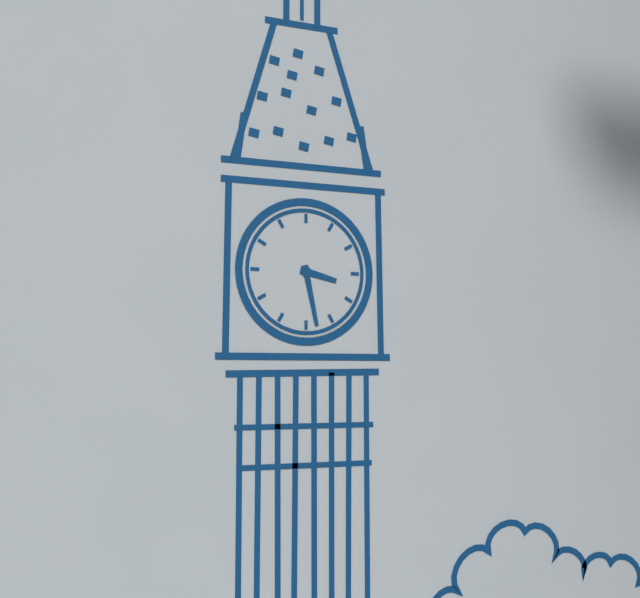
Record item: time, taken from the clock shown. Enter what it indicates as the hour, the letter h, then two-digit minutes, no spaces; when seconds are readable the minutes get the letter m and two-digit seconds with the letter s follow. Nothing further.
3h28
